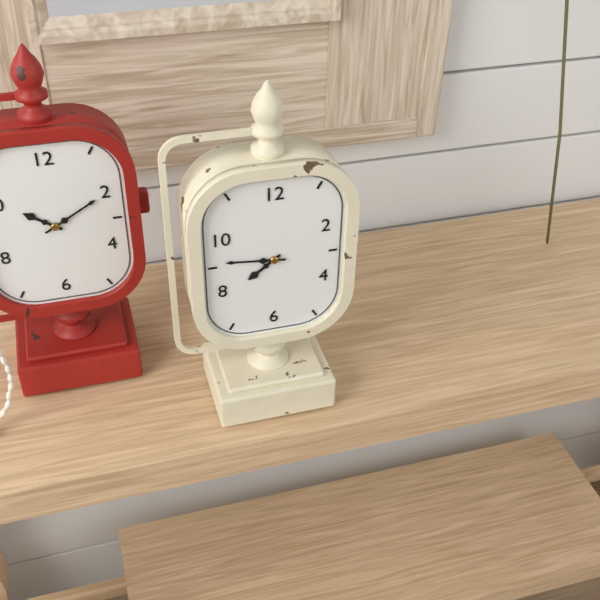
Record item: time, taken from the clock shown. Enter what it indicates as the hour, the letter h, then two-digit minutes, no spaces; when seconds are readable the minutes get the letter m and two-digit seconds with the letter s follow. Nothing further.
7h46
